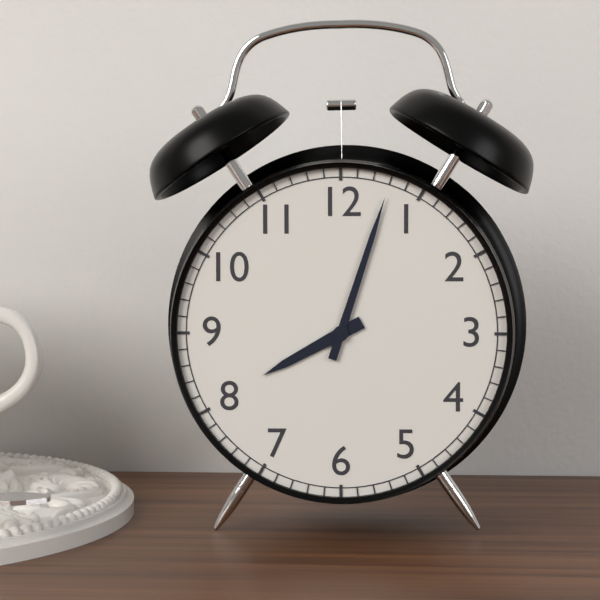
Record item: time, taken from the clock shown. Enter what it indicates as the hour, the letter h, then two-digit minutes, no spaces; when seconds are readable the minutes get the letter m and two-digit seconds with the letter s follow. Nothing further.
8h03
